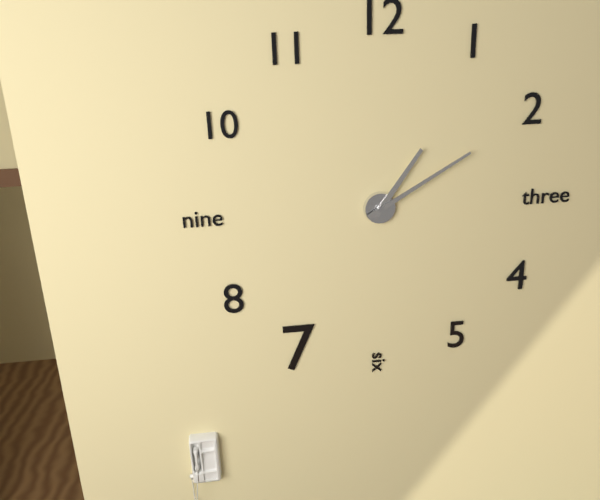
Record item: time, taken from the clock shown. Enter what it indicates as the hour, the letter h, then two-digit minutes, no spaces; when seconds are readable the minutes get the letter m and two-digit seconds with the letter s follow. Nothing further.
1h10
